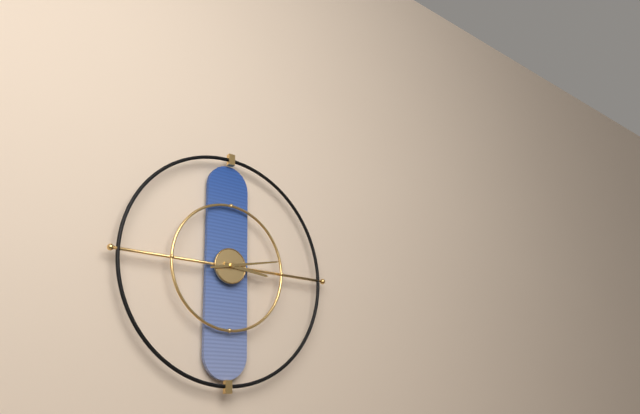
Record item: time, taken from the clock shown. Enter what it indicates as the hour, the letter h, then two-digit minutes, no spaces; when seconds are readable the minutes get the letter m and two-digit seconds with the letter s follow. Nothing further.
3h13
